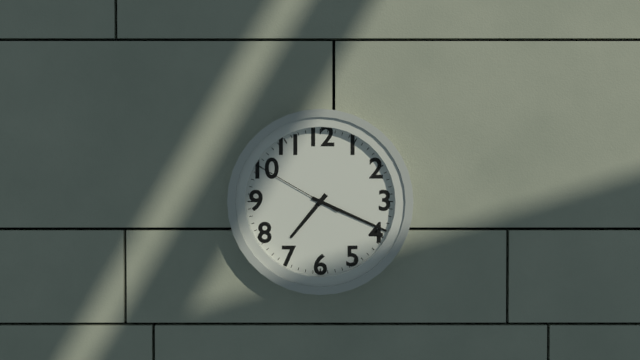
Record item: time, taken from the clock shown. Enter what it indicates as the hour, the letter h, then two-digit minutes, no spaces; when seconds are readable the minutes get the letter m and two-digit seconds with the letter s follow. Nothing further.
7h19m50s
